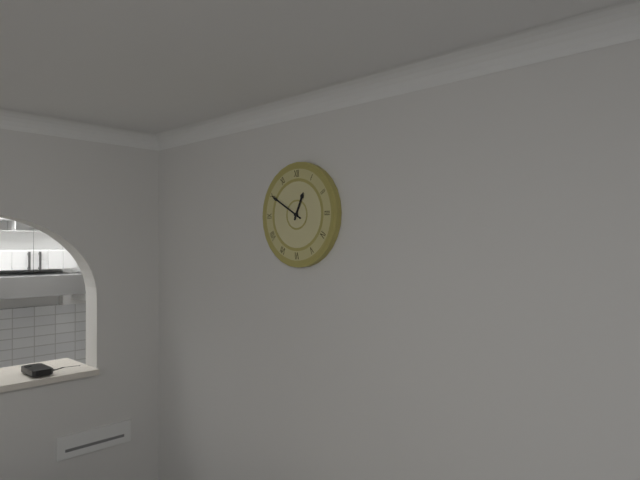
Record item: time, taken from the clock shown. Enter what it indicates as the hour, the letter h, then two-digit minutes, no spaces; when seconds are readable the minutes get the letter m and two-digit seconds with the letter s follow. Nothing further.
12h50
